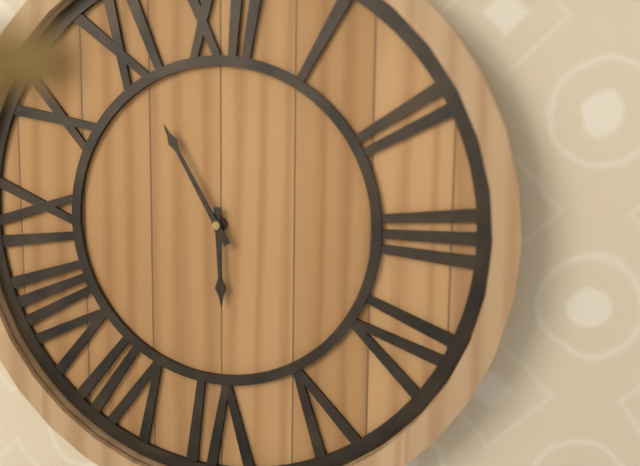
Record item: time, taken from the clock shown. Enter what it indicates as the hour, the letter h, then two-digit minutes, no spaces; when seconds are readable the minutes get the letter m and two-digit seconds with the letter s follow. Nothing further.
5h55
